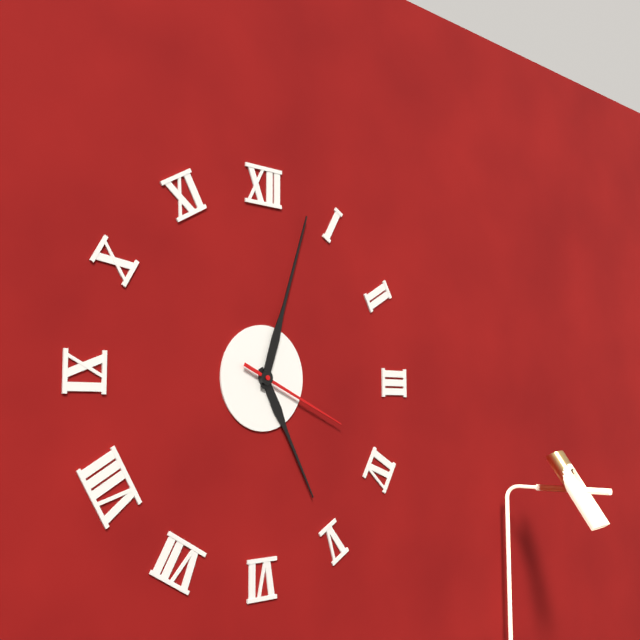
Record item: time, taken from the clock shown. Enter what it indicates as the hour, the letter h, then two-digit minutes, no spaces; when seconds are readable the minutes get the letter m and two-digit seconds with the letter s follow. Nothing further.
5h03m19s
